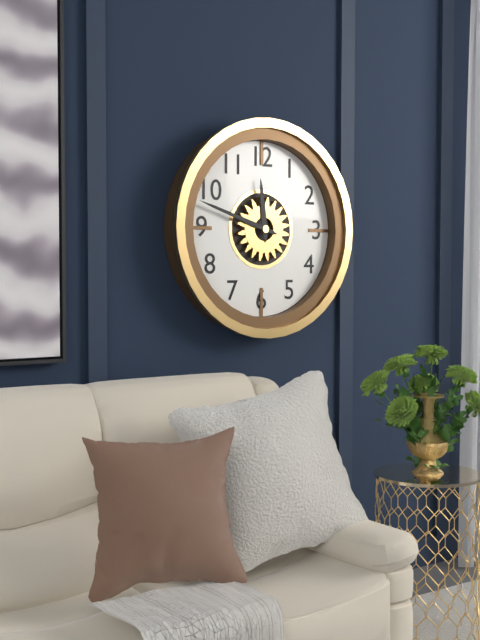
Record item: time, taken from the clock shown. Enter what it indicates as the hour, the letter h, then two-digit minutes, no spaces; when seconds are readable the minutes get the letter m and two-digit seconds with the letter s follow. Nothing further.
11h48
